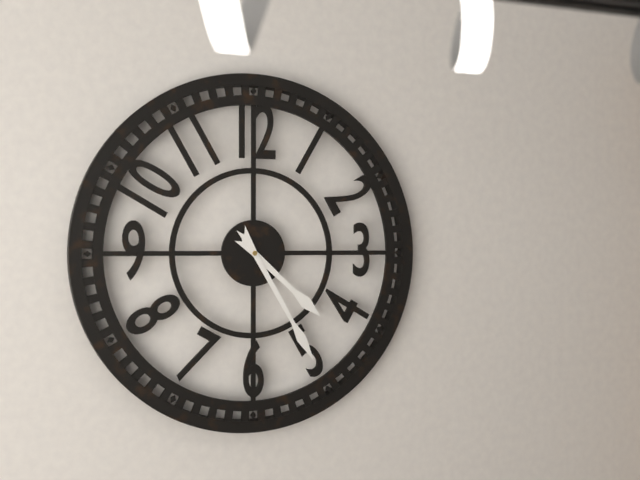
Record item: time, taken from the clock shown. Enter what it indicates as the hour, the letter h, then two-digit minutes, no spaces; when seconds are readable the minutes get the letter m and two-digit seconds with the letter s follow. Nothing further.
4h25
